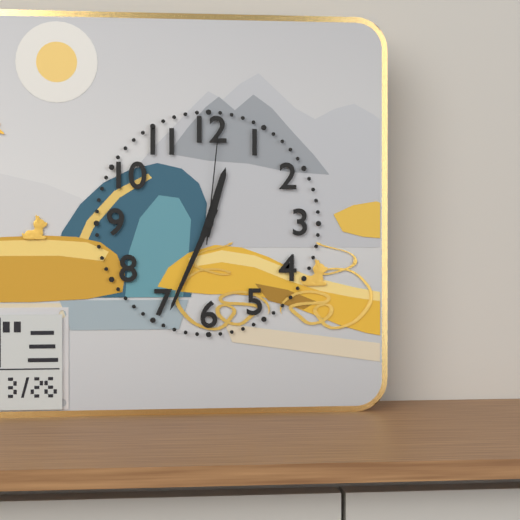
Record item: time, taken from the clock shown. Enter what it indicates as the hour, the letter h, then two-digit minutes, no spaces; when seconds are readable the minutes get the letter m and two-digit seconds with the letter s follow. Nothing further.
12h34m01s
